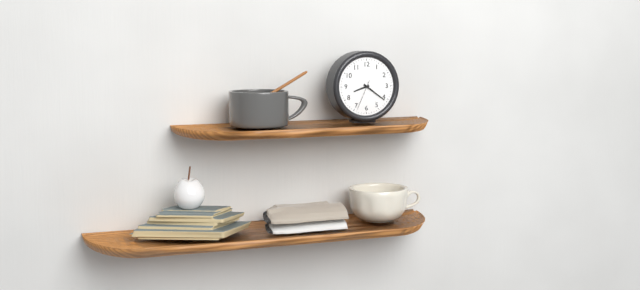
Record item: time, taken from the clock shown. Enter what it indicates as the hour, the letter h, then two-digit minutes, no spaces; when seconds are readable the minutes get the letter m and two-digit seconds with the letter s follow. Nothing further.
8h21
